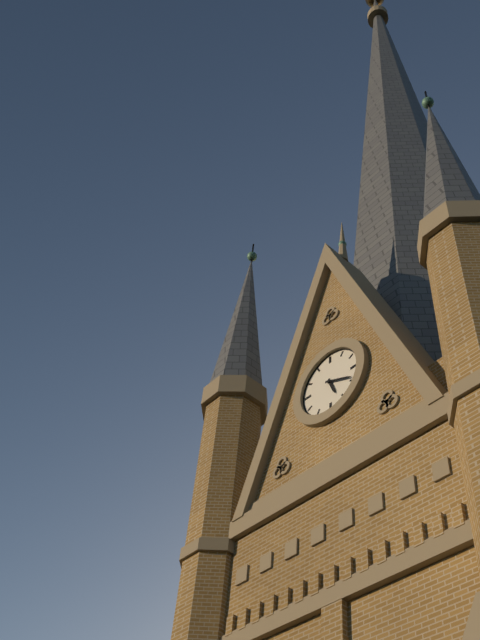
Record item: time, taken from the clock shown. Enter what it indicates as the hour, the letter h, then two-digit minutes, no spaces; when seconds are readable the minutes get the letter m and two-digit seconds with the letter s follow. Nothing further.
5h19
